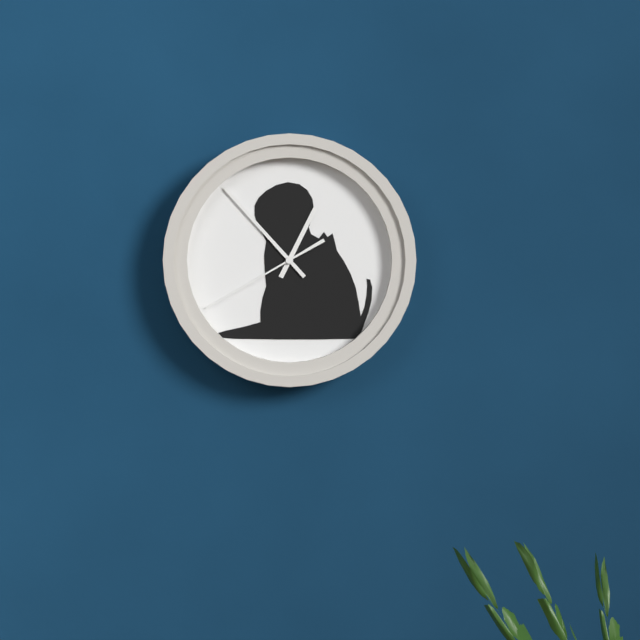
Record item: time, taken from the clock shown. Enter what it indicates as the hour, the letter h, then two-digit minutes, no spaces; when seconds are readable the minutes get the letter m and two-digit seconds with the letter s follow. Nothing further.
12h53m40s
